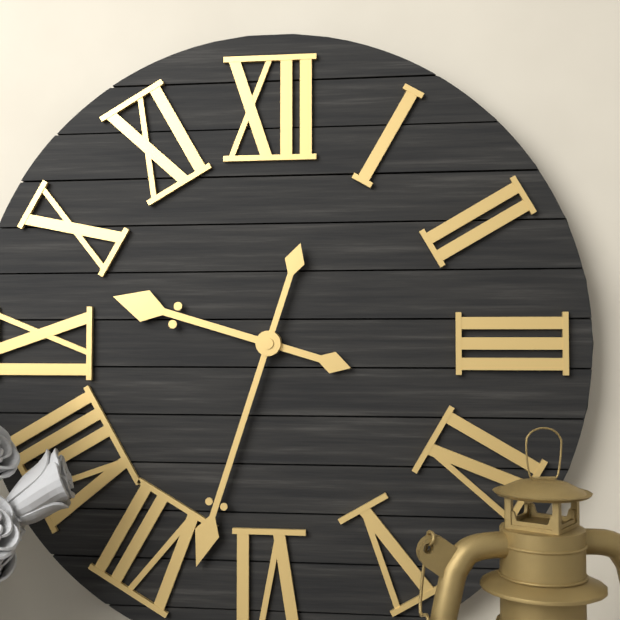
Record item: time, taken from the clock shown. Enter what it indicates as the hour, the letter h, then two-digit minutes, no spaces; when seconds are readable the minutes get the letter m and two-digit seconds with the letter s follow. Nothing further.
9h33
